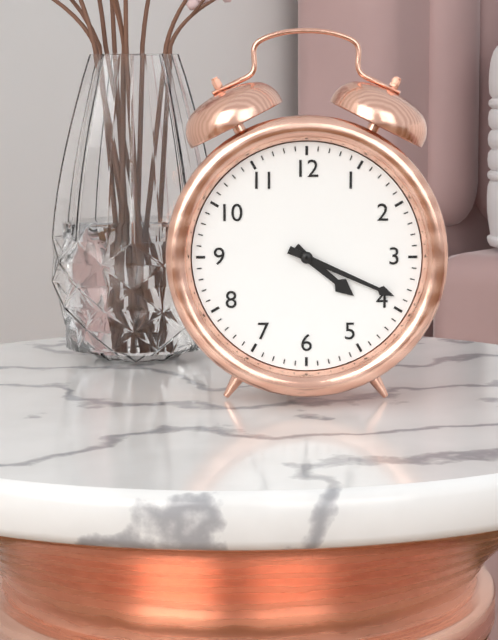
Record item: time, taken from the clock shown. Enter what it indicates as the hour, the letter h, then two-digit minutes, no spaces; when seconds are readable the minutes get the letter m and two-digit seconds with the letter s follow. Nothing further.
4h19
